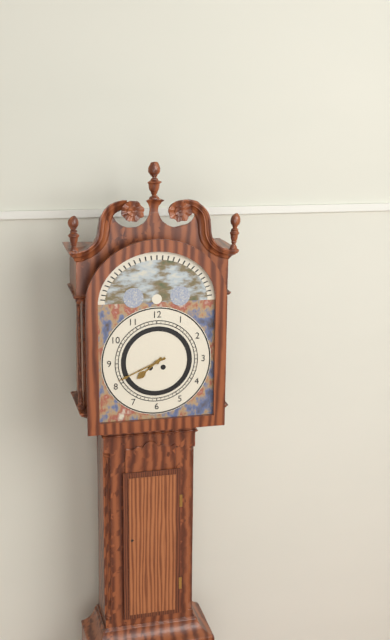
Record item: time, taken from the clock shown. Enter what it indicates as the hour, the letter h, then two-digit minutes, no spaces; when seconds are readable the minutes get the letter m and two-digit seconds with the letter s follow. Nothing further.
7h41
